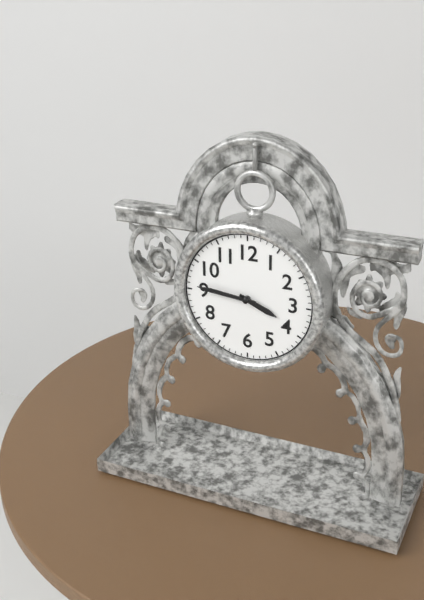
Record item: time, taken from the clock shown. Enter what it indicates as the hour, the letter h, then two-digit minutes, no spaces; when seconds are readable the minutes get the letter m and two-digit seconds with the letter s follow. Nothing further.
3h46
